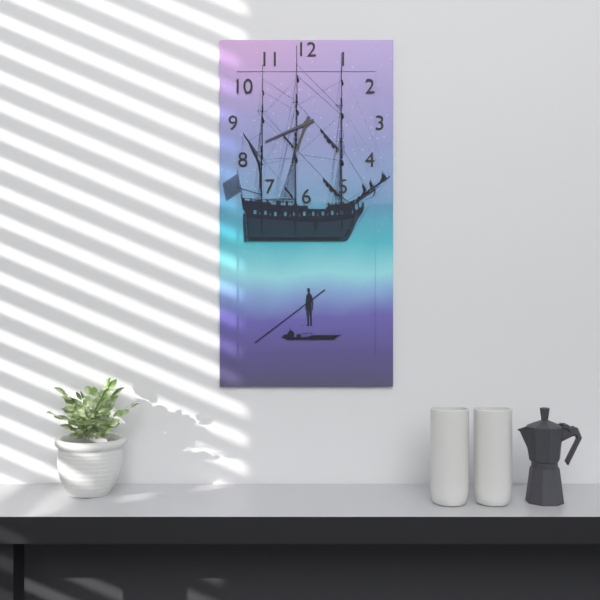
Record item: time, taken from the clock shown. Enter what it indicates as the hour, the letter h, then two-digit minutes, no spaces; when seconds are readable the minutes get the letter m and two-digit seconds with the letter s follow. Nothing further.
6h41
